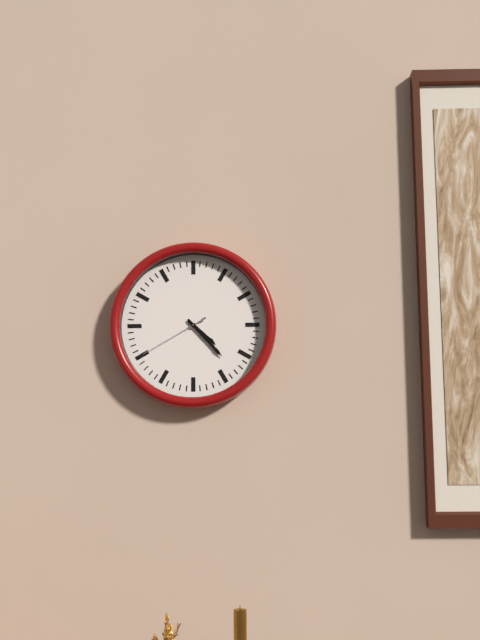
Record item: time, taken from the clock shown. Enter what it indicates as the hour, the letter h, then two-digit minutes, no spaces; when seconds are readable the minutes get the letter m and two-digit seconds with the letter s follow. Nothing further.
4h23m40s
